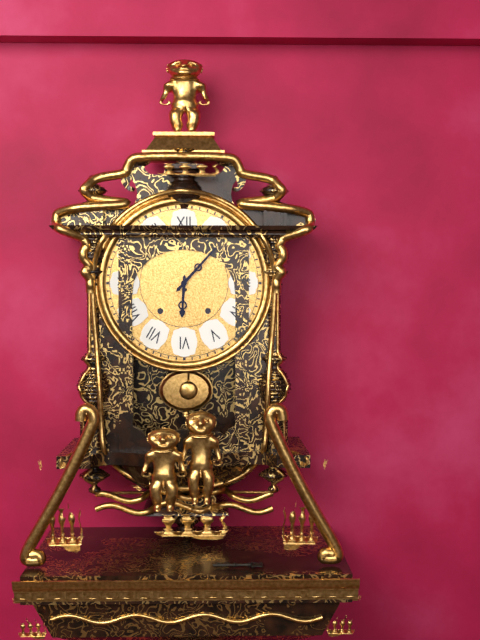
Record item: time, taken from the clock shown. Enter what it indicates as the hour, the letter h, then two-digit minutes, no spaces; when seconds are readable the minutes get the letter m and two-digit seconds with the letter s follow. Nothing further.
6h07
